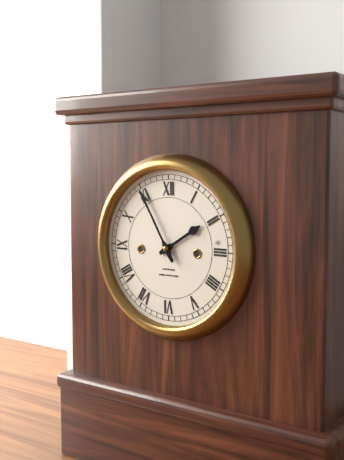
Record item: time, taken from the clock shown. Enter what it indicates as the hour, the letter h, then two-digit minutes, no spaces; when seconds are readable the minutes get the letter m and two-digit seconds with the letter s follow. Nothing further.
1h55
